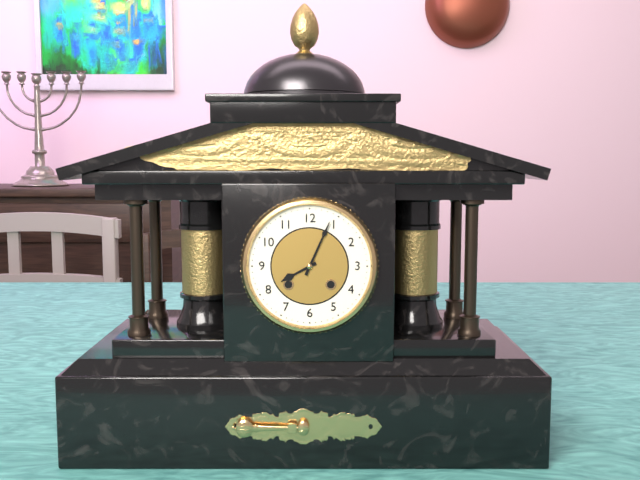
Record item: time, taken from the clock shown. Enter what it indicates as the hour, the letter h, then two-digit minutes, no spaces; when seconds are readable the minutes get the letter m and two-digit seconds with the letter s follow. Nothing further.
8h04
